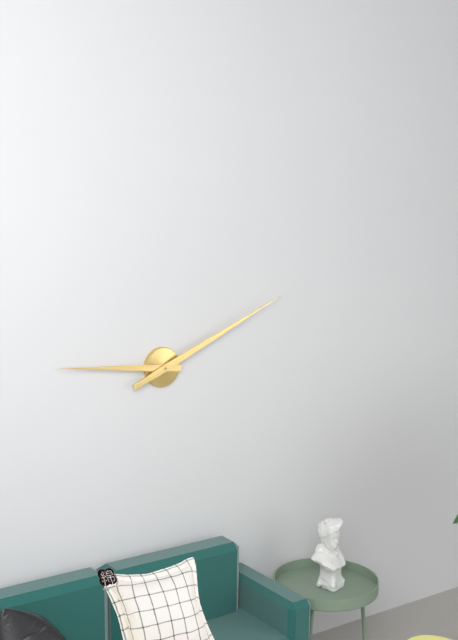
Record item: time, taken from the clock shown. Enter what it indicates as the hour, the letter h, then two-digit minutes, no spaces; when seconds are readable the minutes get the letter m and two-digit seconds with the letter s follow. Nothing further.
9h11
